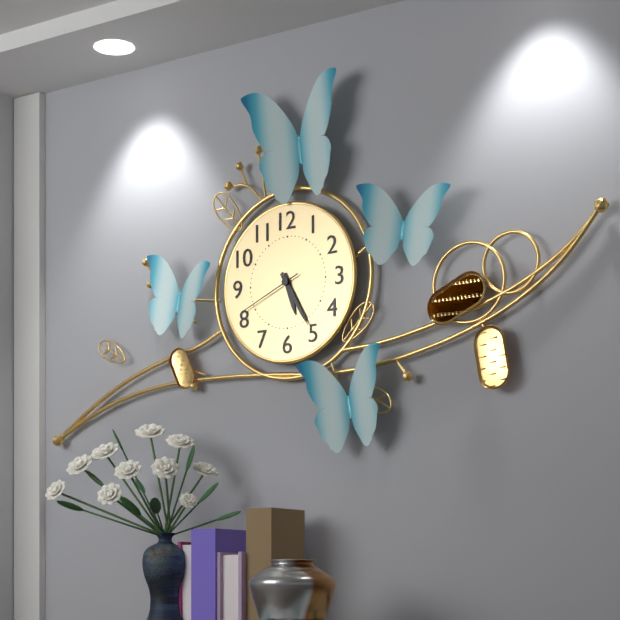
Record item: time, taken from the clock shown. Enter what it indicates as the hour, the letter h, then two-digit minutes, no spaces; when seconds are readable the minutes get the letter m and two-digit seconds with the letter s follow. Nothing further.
5h25m41s
